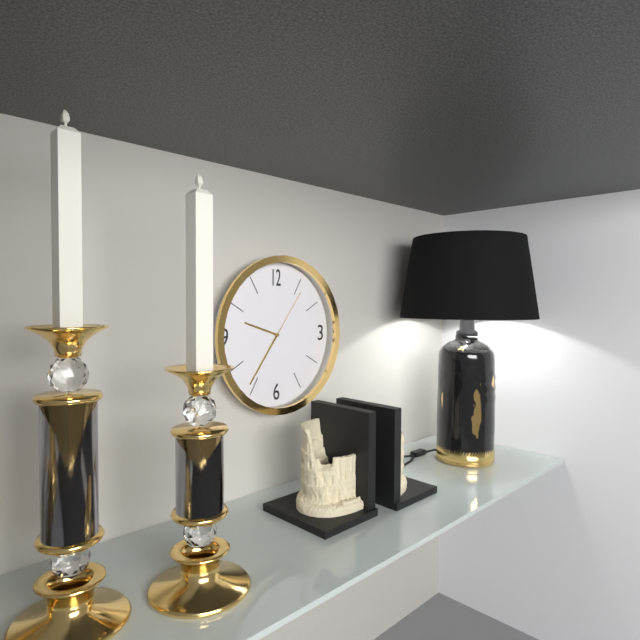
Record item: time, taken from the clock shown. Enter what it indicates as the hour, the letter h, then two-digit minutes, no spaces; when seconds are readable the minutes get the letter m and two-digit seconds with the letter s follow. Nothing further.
9h36m06s
